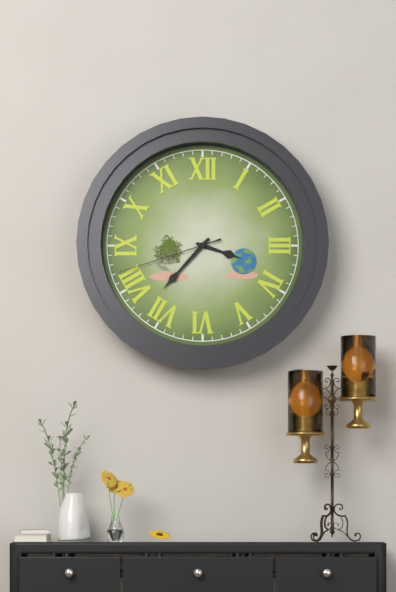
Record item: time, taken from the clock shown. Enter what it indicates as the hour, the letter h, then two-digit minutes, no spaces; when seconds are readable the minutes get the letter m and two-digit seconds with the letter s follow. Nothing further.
3h37m42s
